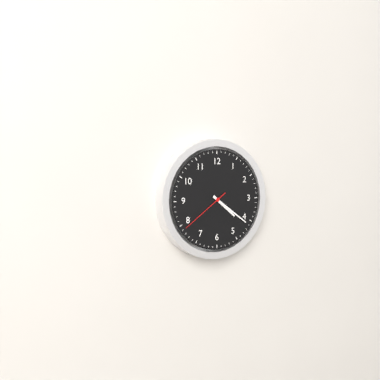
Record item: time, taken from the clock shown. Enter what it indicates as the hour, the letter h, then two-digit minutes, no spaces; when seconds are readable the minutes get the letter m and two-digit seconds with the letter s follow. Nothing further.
4h21m39s
